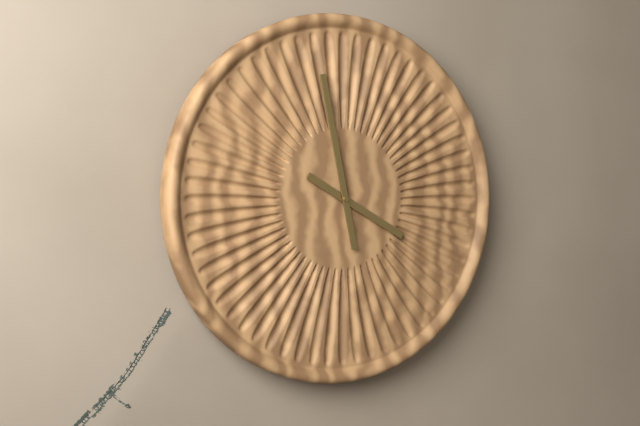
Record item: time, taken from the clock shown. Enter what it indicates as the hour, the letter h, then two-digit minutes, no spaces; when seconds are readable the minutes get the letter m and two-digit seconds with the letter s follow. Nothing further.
3h58
